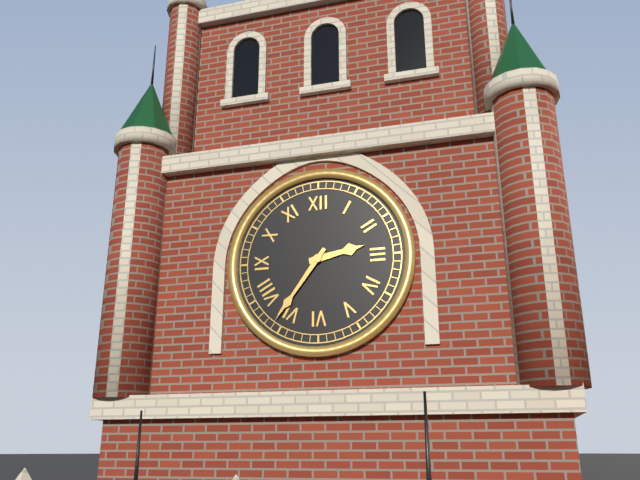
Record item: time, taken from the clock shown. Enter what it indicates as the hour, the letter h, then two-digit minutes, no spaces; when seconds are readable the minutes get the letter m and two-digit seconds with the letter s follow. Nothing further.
2h36
